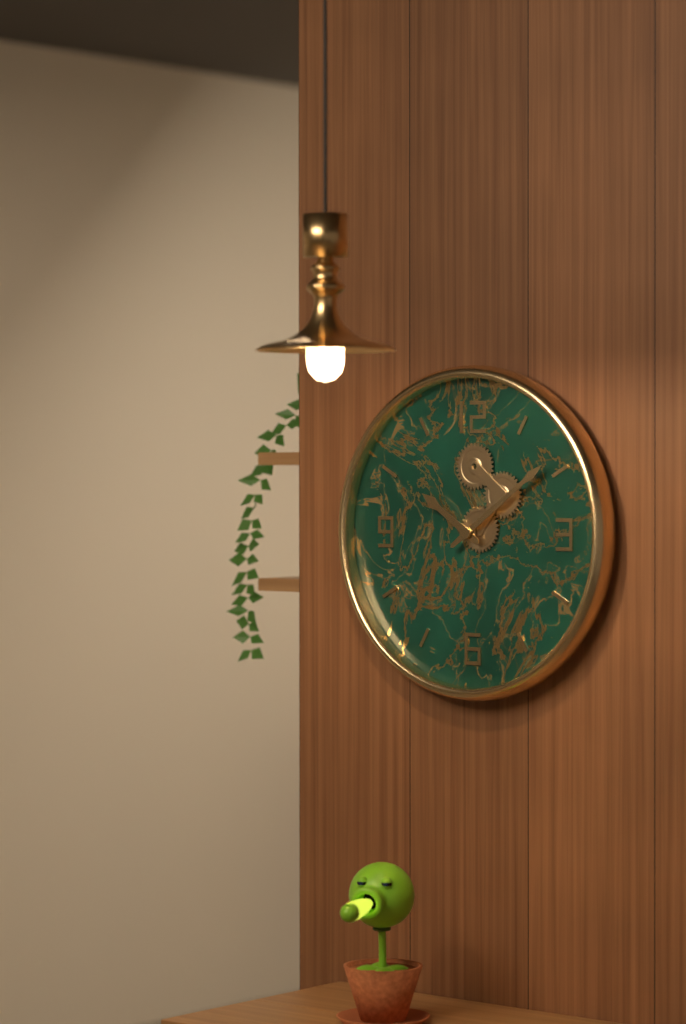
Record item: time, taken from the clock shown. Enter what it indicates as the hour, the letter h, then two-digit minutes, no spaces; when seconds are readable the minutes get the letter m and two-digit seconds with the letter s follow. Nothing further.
10h09
